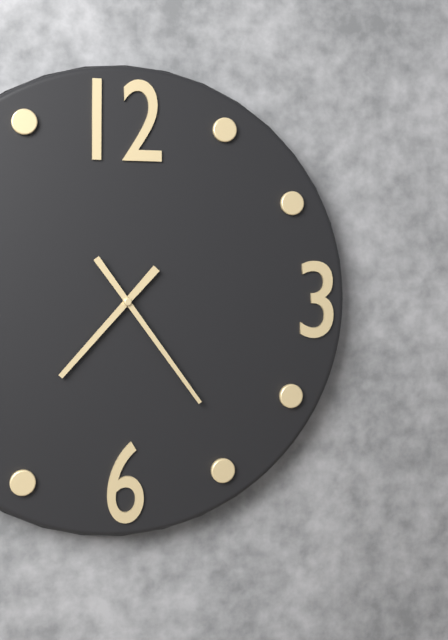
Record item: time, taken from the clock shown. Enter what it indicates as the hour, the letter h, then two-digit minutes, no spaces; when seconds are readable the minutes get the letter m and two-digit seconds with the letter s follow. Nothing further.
7h24
